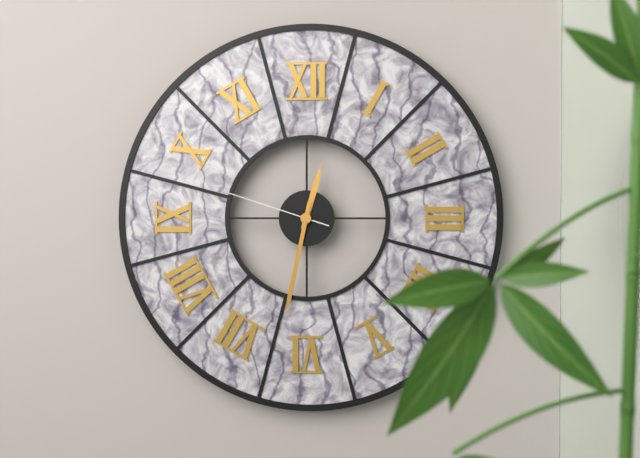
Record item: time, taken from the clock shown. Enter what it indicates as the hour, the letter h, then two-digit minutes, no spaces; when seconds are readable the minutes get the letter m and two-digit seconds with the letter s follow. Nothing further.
12h32m48s
